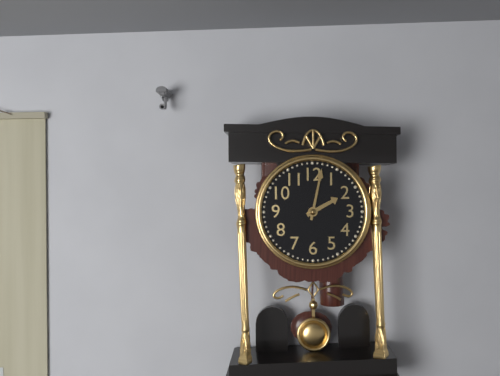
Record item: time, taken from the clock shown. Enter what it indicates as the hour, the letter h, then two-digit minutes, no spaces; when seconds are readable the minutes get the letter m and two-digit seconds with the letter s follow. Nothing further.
2h02
